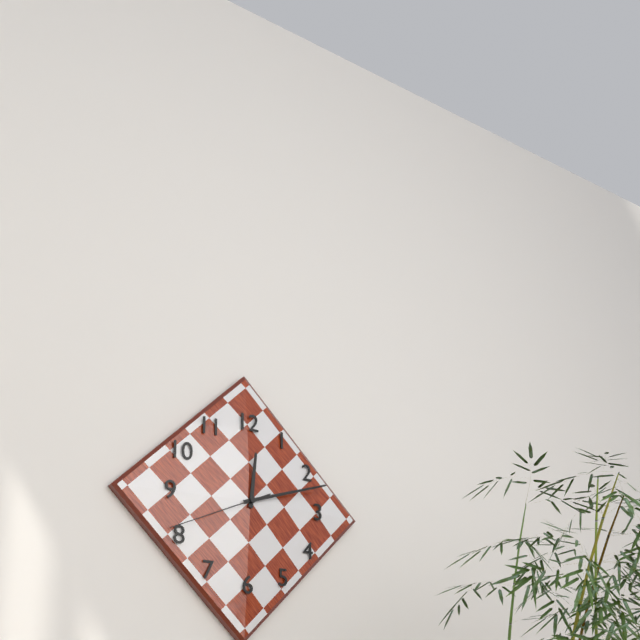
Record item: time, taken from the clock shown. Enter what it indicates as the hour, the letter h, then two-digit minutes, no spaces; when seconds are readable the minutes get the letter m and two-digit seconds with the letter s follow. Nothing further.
12h12m41s
